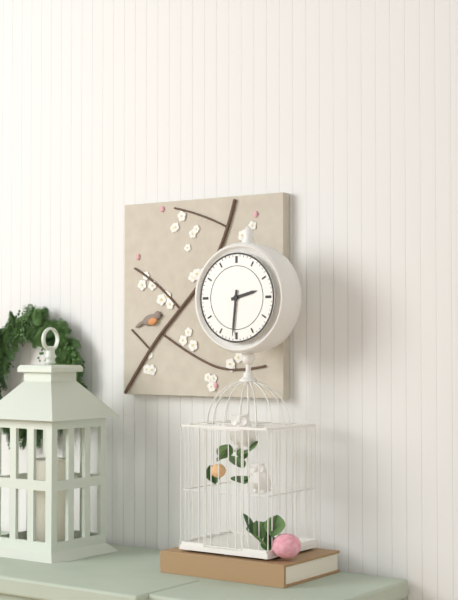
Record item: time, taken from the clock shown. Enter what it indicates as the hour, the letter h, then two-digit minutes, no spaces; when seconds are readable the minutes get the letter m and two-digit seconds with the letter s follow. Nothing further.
2h31
